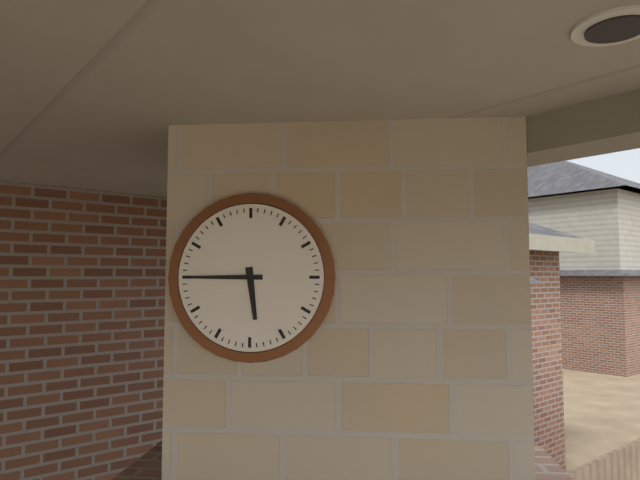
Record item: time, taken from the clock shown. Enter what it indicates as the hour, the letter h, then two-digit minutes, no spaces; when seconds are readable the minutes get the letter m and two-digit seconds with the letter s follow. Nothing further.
5h45
